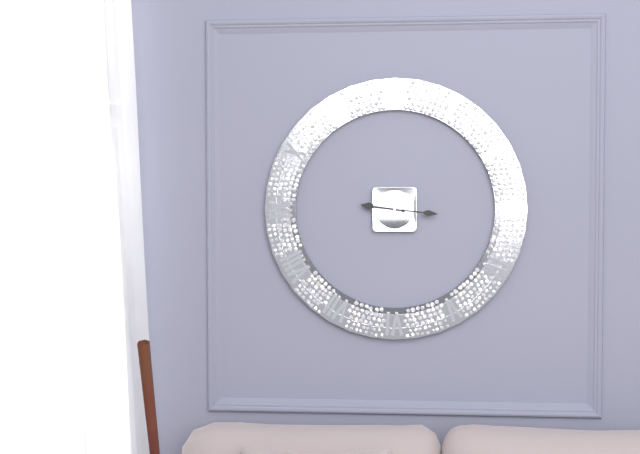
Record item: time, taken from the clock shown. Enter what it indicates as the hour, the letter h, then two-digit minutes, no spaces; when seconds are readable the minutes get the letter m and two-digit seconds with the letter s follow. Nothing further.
9h16
